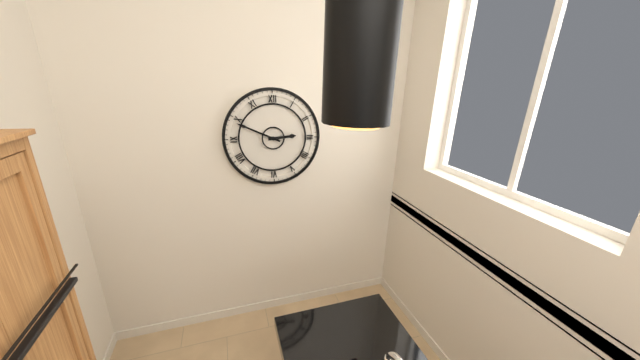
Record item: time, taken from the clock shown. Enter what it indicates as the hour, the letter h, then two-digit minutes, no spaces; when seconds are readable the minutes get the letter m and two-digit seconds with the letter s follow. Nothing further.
2h49
